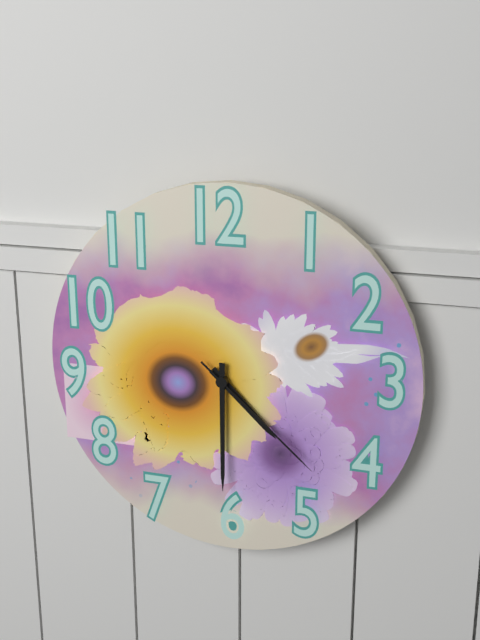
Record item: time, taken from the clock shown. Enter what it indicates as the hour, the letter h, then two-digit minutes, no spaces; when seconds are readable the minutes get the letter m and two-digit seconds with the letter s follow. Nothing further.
4h30m22s
